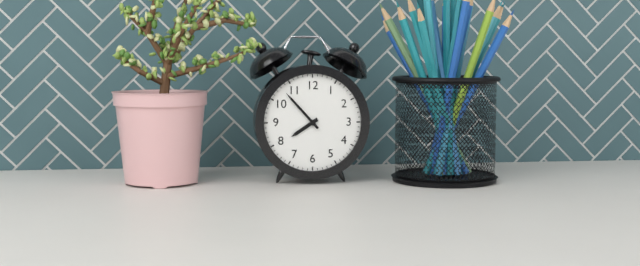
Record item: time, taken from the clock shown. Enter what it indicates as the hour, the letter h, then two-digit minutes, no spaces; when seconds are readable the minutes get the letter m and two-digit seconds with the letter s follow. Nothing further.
7h53
